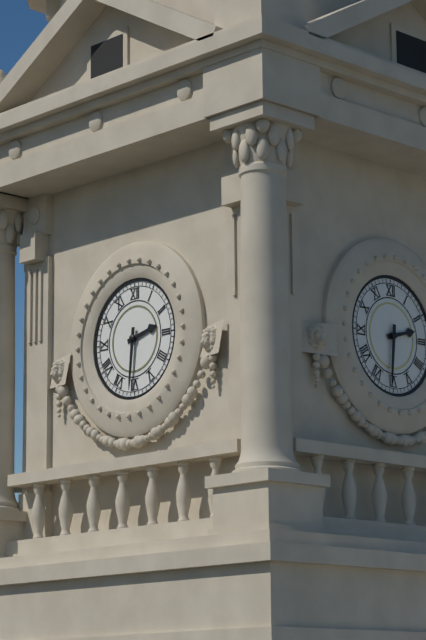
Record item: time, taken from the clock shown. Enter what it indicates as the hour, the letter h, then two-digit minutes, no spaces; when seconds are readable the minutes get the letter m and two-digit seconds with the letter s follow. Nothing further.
2h31
